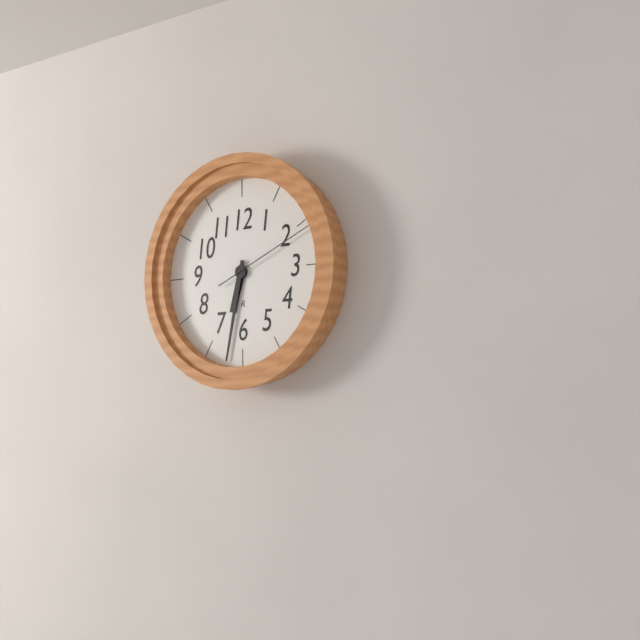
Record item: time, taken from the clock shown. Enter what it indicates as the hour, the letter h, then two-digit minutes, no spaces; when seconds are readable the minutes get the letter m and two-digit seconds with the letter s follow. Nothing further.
6h32m11s
